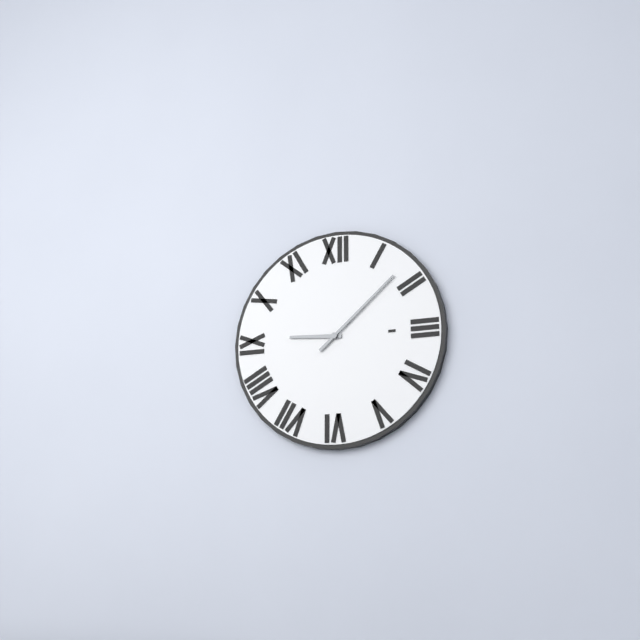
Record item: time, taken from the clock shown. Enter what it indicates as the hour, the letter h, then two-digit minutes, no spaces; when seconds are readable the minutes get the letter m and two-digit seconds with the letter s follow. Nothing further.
9h08
